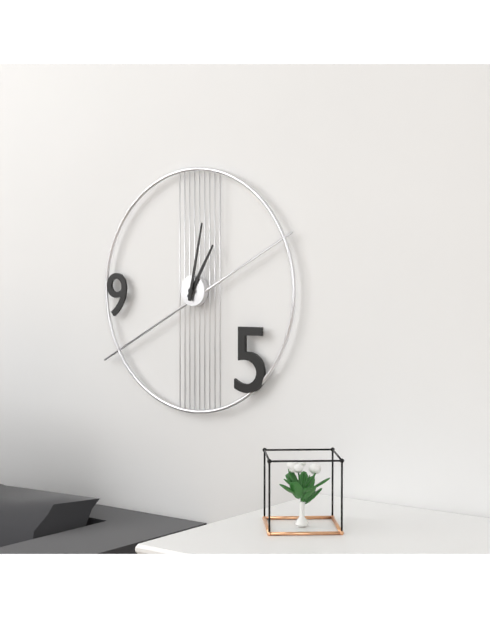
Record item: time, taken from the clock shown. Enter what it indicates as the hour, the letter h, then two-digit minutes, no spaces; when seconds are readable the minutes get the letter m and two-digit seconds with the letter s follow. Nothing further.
1h02
